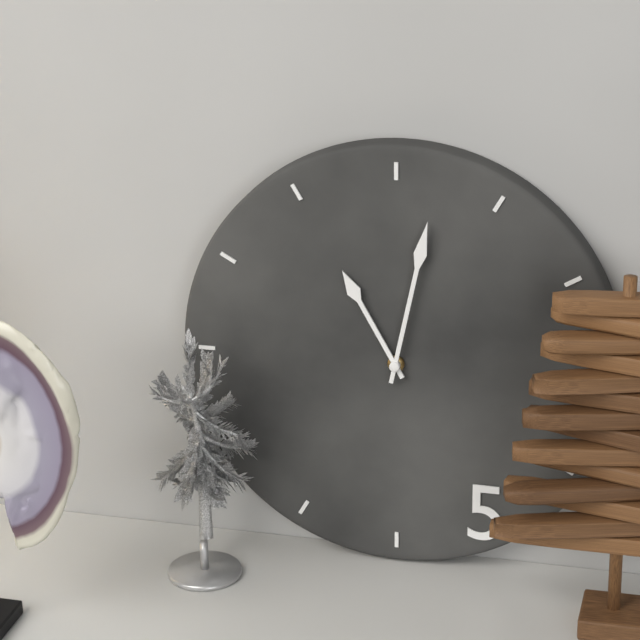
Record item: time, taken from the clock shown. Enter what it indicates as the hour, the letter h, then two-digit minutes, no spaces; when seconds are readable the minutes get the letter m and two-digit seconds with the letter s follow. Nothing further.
11h02
